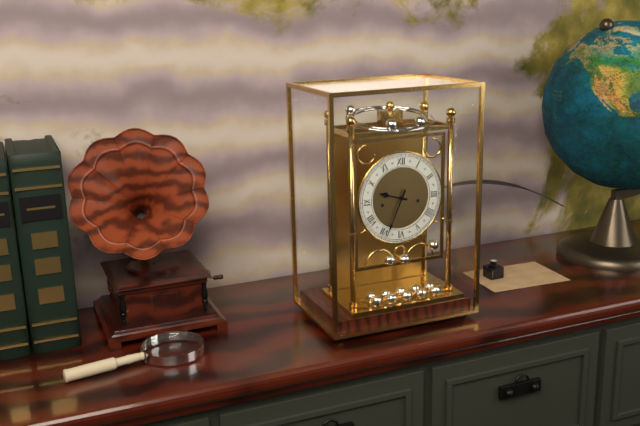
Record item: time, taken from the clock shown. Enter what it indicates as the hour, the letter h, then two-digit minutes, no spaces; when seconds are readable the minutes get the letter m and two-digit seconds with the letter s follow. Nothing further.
9h34
